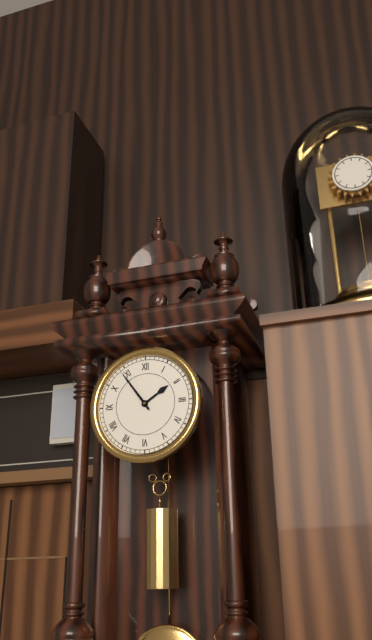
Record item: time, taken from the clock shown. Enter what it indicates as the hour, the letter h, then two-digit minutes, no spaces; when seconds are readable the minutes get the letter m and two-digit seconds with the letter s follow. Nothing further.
1h54
